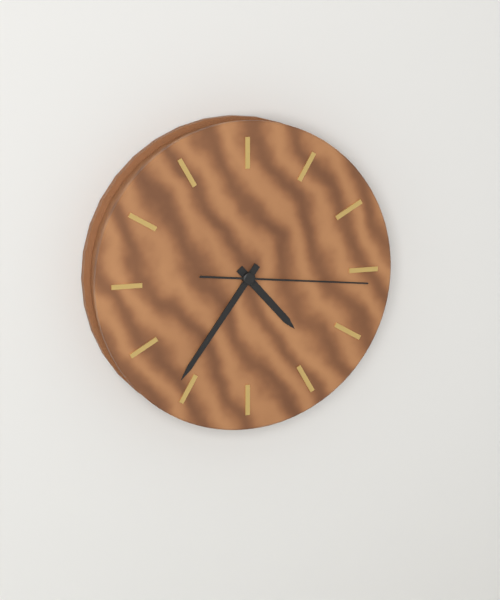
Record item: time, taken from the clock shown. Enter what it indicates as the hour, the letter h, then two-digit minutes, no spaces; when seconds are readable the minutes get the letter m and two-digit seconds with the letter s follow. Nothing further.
4h36m16s
